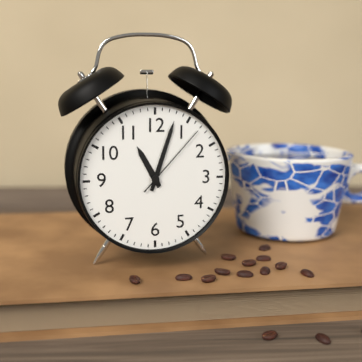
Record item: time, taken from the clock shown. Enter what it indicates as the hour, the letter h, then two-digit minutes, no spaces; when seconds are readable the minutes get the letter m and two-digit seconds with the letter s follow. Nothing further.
11h03m07s
